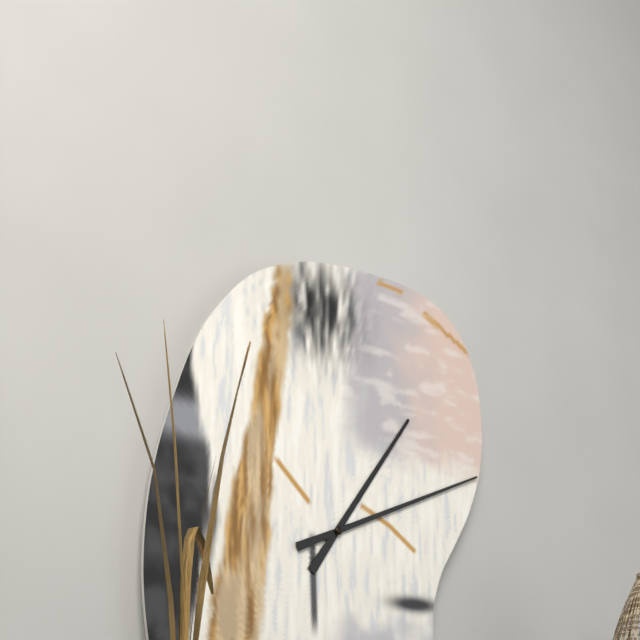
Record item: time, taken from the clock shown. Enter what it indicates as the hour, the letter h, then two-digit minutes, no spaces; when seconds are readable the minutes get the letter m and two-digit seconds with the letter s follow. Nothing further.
1h11
